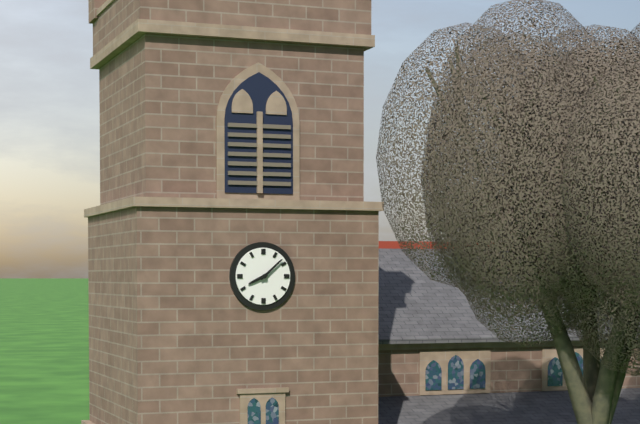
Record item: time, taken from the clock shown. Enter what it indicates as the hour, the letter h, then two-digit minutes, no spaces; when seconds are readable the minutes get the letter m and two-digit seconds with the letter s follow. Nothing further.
8h08
